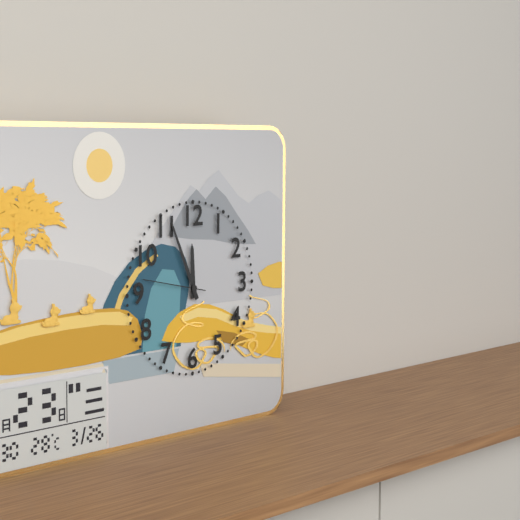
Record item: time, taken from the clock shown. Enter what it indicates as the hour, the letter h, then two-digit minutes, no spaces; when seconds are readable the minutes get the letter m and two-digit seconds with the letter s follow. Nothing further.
11h56m47s
